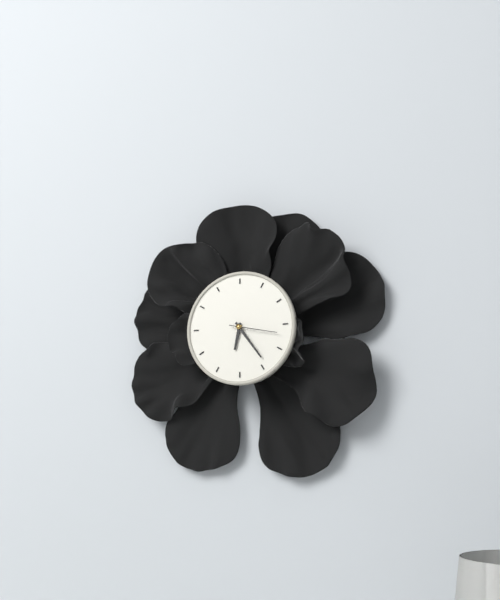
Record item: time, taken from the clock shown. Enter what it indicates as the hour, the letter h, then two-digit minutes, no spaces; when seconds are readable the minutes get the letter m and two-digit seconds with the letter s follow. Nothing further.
6h24
